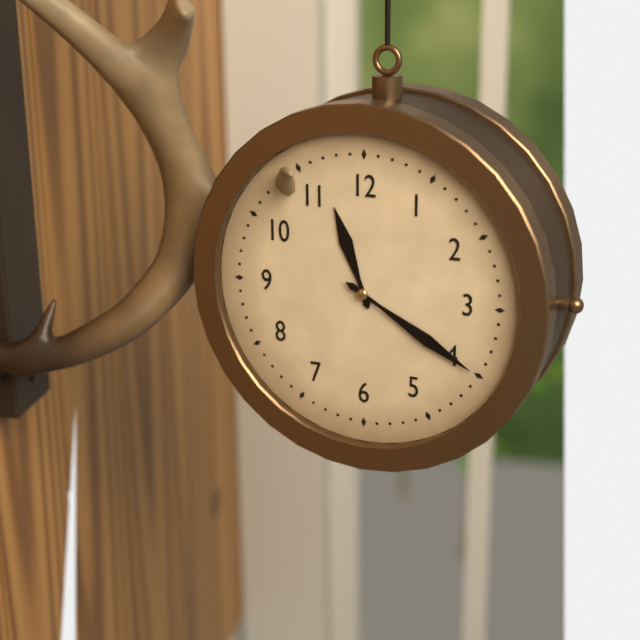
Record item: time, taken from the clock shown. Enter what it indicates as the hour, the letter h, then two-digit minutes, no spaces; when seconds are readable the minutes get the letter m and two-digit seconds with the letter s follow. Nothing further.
11h20
